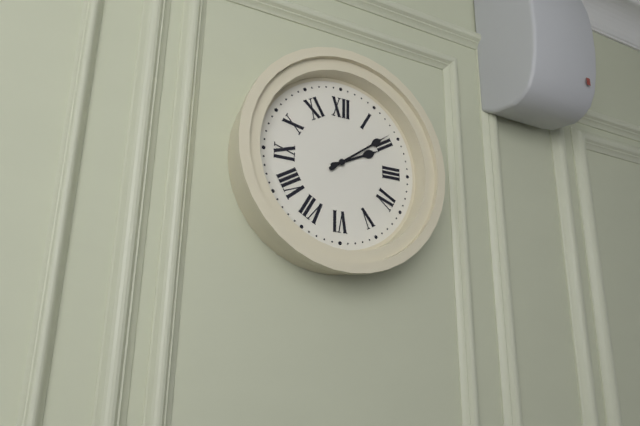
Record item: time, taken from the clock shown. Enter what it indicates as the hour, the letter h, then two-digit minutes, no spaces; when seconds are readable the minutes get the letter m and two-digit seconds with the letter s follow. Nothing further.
2h09
